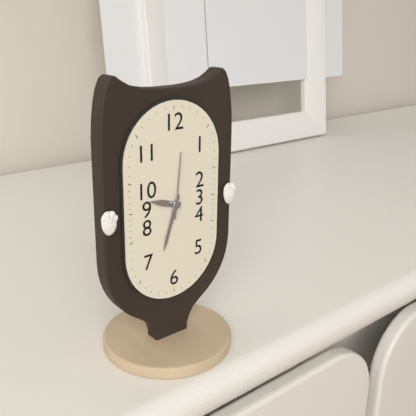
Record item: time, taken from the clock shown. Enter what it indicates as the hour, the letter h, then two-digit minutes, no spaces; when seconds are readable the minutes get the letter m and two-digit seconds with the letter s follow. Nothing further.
9h33m01s
